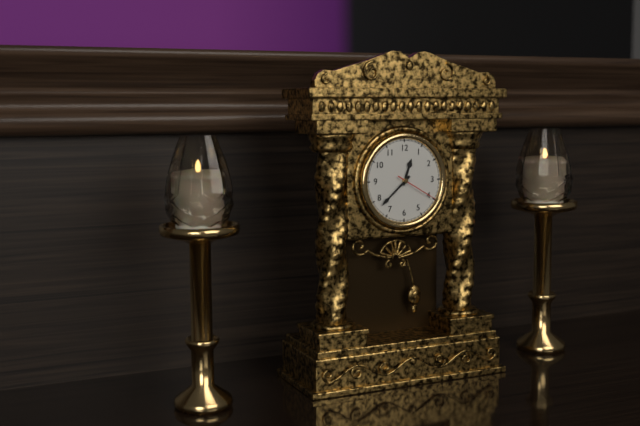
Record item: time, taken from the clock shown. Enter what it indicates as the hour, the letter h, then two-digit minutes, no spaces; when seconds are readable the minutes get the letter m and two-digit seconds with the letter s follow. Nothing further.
12h38
